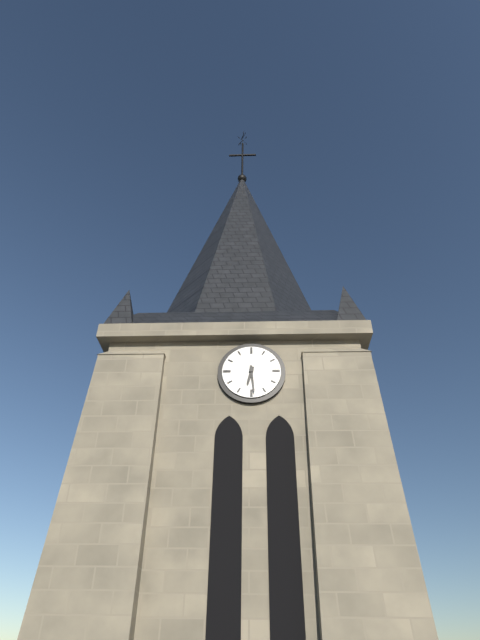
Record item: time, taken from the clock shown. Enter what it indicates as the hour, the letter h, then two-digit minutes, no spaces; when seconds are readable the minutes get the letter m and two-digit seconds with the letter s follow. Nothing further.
6h29
